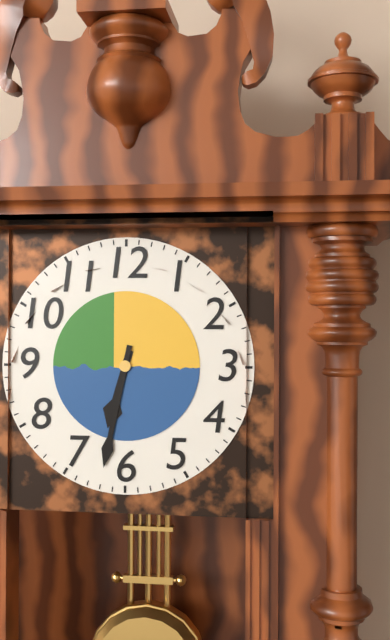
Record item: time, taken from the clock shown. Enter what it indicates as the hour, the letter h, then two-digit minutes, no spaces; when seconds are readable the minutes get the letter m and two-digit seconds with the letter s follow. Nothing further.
6h32
